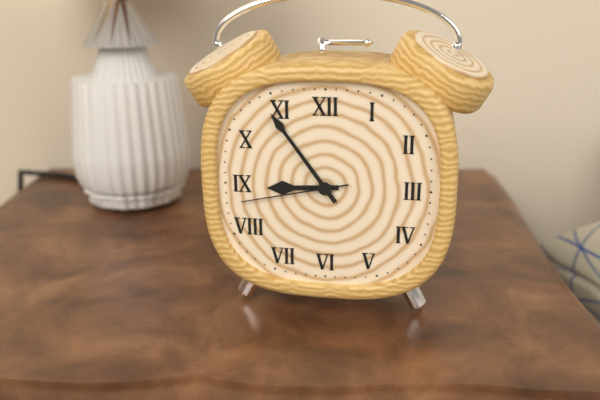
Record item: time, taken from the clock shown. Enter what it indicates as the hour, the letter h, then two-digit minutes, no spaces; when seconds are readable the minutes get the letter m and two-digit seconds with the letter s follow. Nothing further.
8h54m43s
